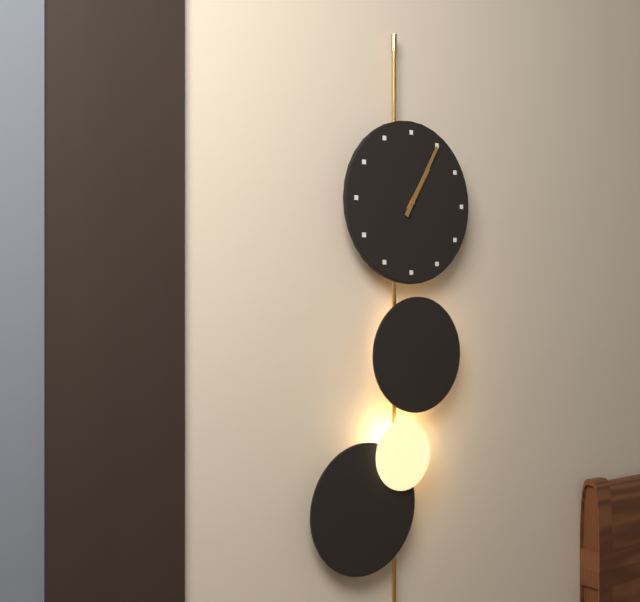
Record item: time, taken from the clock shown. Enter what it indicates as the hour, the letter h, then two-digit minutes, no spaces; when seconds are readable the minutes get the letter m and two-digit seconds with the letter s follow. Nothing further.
1h05
